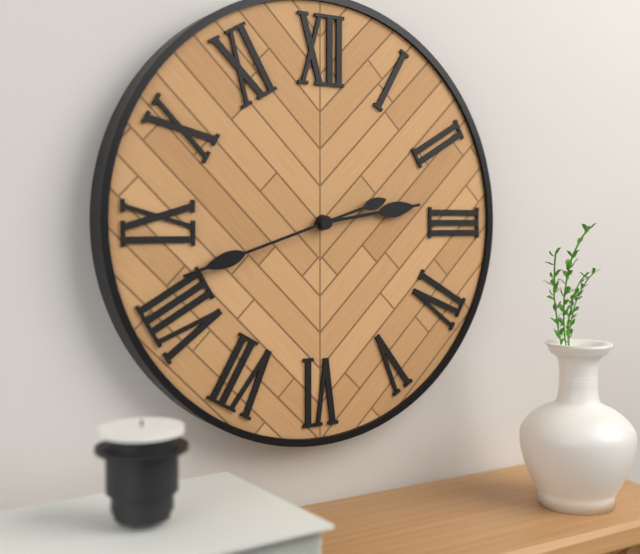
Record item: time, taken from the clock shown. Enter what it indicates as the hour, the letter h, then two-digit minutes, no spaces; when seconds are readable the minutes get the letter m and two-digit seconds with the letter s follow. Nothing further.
2h42
